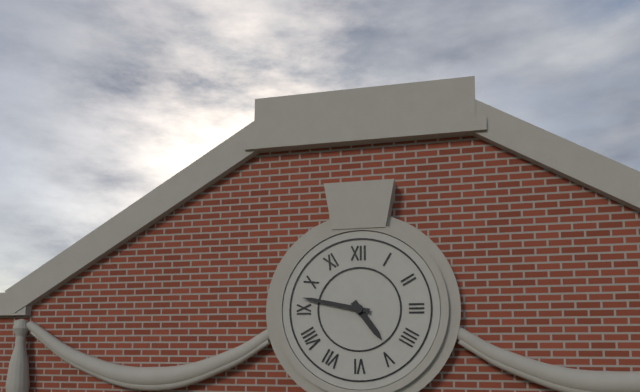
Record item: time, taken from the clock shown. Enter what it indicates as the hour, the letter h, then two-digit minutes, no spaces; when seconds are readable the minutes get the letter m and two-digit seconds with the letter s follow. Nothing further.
4h47
